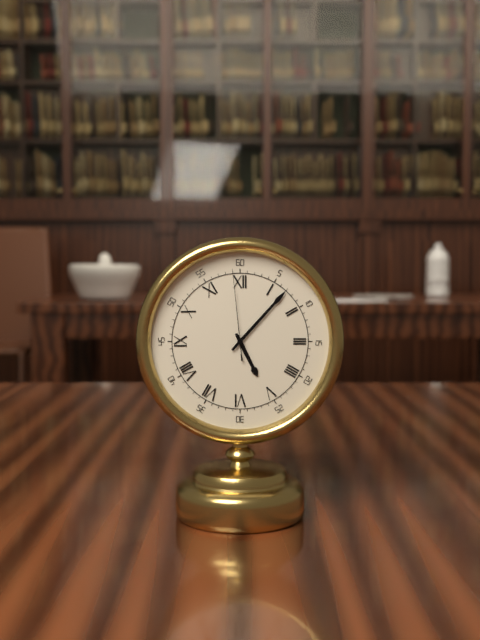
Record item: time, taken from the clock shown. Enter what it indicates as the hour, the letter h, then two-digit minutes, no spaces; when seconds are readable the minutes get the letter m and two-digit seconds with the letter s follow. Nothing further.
5h07m59s
